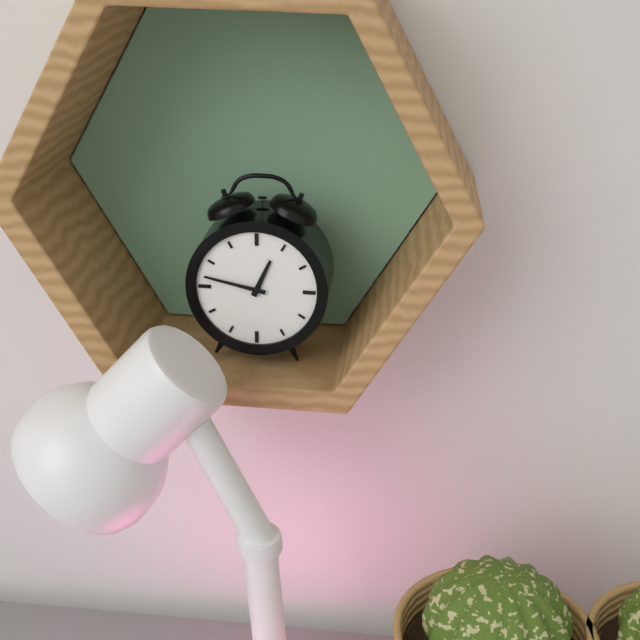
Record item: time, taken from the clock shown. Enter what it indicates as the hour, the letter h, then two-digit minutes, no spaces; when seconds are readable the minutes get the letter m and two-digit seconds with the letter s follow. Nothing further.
12h47
